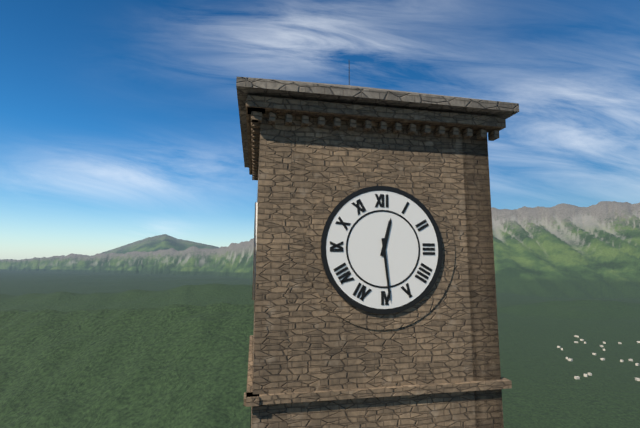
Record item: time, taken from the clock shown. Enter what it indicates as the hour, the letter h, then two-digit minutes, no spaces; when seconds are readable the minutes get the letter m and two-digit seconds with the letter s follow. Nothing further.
12h29
